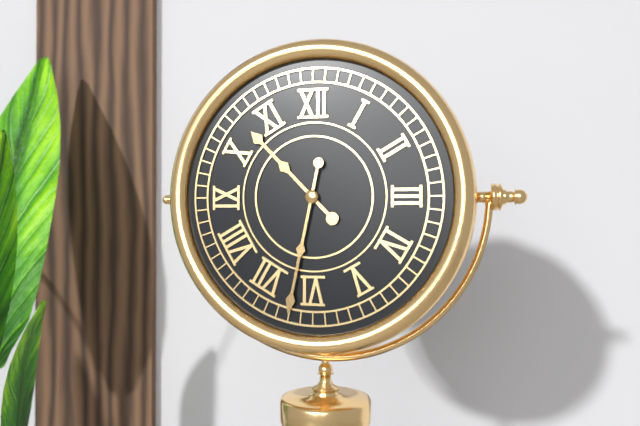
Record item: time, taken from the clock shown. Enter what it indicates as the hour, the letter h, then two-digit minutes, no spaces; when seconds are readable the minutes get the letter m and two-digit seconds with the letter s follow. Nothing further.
10h32
